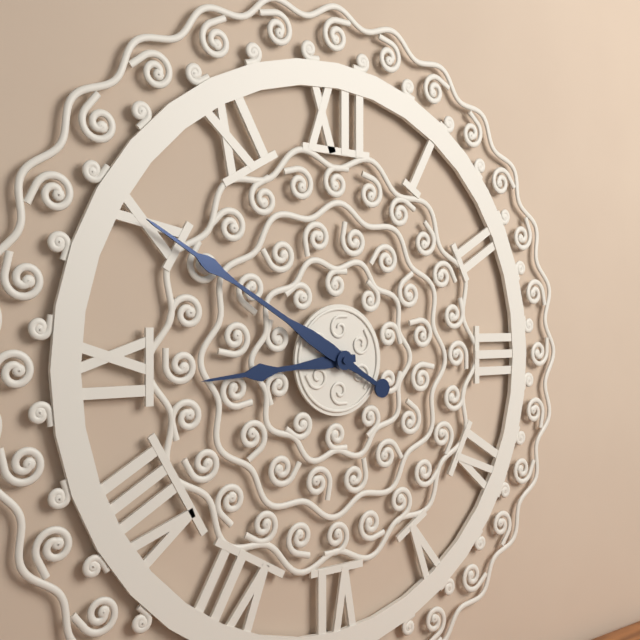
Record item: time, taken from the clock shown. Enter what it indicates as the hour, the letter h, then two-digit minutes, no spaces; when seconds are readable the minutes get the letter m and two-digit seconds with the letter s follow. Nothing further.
8h50
